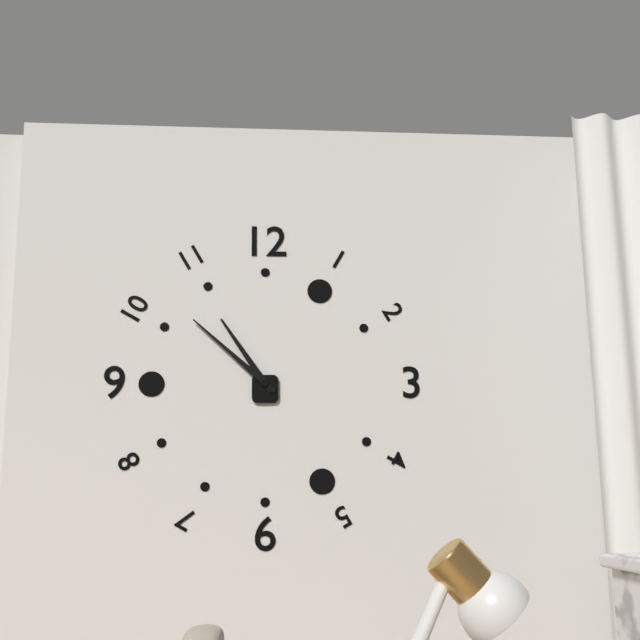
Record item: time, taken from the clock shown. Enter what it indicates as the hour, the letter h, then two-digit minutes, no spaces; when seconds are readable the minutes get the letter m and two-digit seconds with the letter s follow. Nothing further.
10h52
